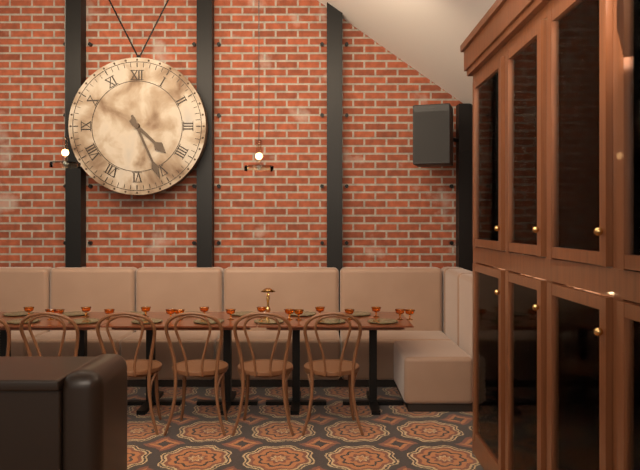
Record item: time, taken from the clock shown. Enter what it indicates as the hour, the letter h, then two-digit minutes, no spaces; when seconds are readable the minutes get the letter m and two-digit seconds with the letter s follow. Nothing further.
4h26
